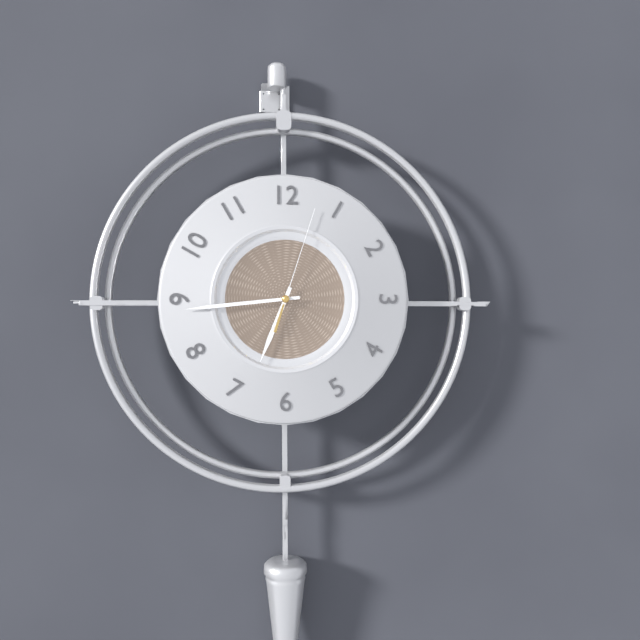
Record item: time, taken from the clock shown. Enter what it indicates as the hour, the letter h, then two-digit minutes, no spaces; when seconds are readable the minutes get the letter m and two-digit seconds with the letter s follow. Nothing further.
6h44m03s
